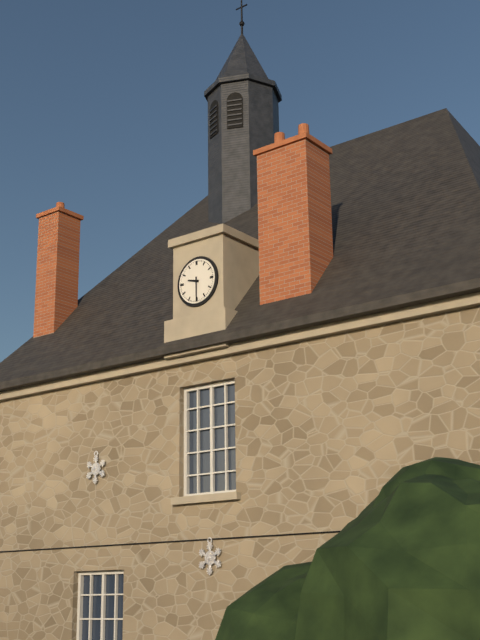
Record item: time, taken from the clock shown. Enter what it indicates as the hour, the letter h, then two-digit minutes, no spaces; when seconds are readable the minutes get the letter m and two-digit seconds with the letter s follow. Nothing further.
9h30
